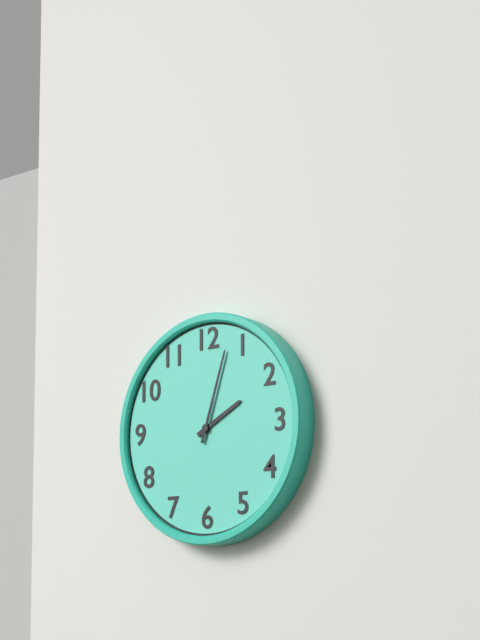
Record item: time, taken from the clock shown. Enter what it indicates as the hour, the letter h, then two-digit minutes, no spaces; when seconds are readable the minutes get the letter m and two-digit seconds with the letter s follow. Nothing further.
2h03
